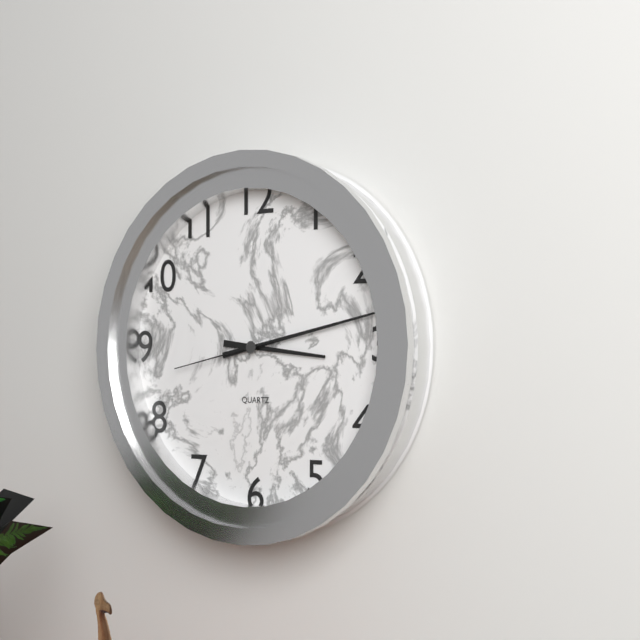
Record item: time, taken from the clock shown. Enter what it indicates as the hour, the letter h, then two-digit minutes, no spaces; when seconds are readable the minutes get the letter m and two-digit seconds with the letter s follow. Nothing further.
3h13m43s
